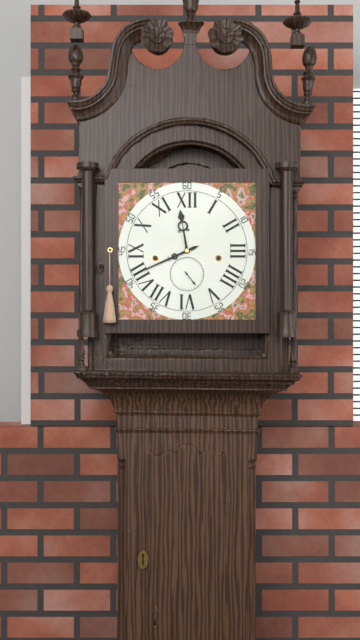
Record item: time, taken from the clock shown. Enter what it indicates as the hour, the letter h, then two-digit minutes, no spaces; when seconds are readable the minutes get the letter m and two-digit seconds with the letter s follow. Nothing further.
11h41
